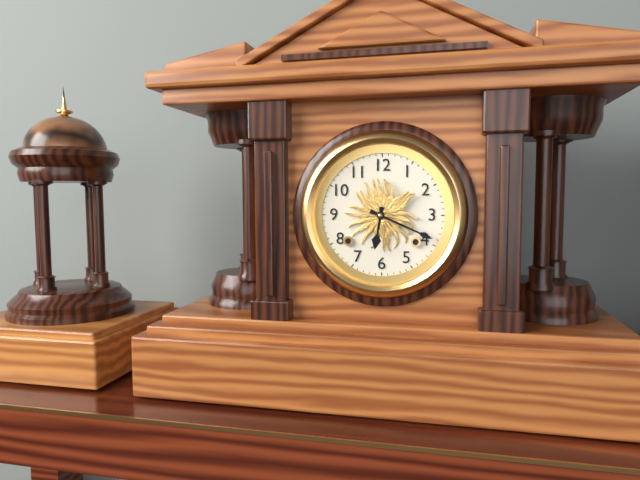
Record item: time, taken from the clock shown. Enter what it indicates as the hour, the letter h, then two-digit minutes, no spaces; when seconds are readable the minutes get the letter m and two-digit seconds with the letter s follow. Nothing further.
6h19
